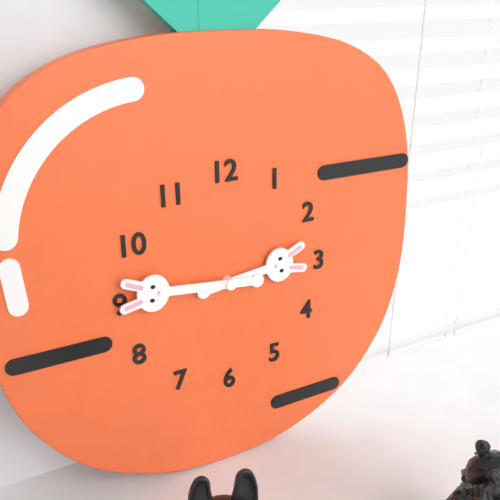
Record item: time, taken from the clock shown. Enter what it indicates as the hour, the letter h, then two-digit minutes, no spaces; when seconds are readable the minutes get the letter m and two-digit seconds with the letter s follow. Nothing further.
2h46
